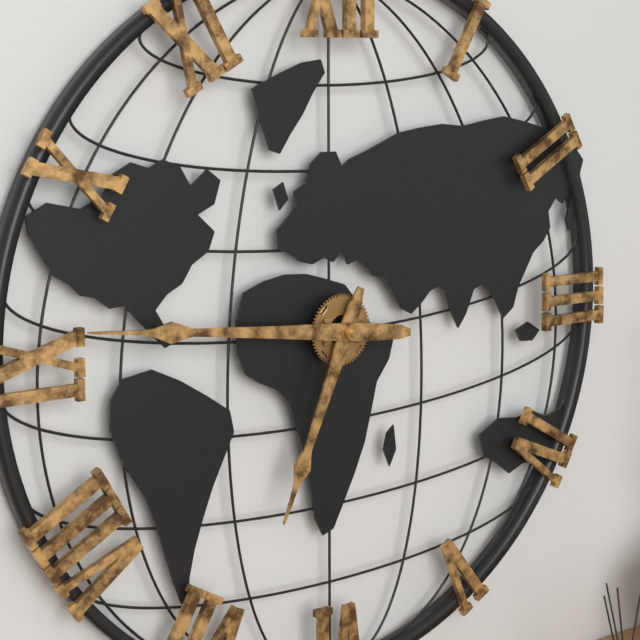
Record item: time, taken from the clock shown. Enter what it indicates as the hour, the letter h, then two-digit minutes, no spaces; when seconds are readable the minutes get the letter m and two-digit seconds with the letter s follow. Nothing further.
6h46
